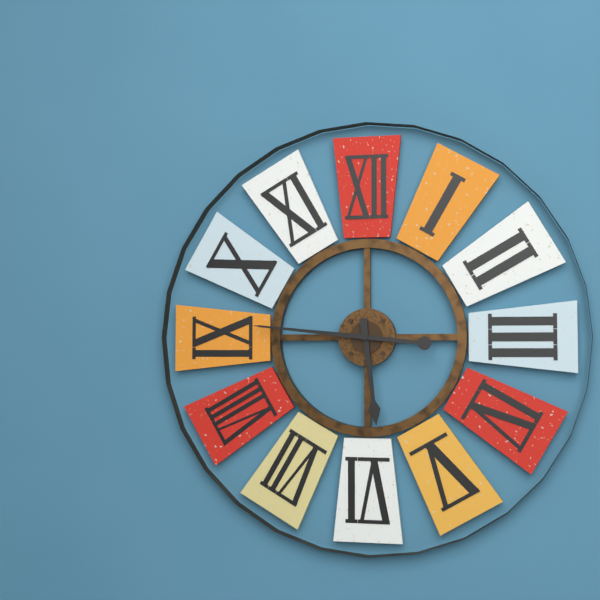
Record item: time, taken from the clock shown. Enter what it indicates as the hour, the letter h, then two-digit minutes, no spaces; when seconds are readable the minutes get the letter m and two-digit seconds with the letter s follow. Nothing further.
5h46
